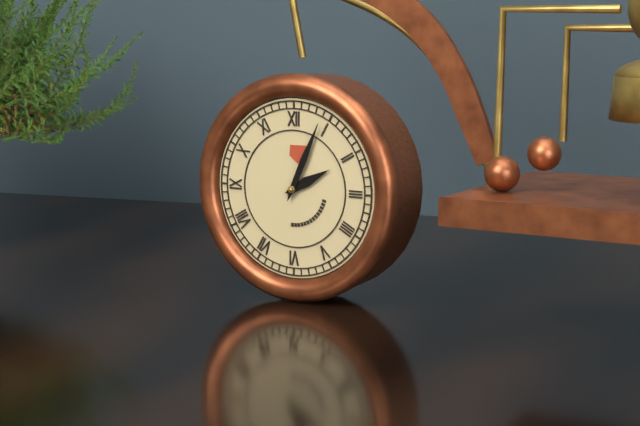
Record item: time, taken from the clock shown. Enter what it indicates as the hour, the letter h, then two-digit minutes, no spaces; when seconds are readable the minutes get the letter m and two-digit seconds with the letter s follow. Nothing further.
2h04
